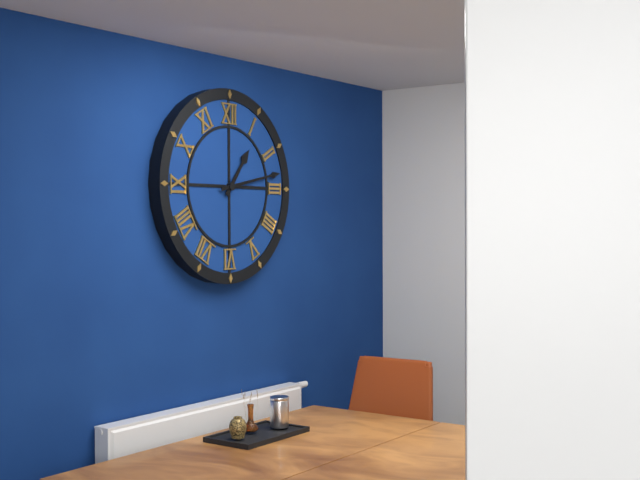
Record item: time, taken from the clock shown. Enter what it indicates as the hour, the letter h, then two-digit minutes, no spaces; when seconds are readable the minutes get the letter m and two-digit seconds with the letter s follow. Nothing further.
1h13
